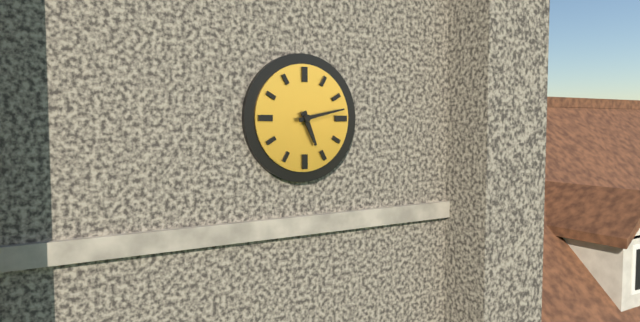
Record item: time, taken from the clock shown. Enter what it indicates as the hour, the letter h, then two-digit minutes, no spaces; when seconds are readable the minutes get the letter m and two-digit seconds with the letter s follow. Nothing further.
5h13
